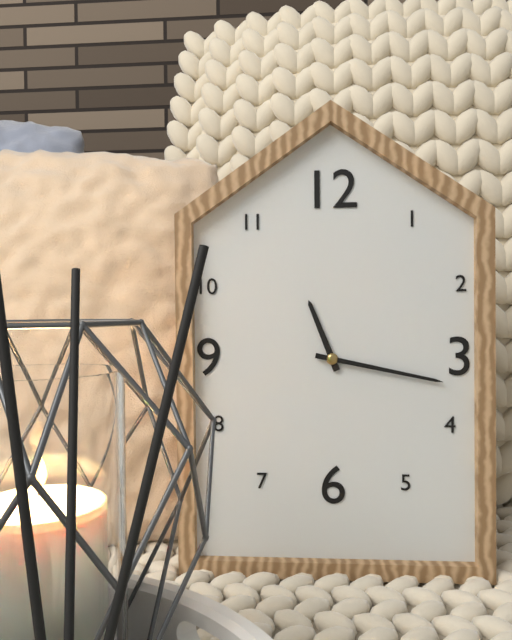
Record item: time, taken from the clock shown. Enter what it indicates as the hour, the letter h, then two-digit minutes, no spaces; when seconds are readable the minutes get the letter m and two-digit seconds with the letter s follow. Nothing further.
11h17
